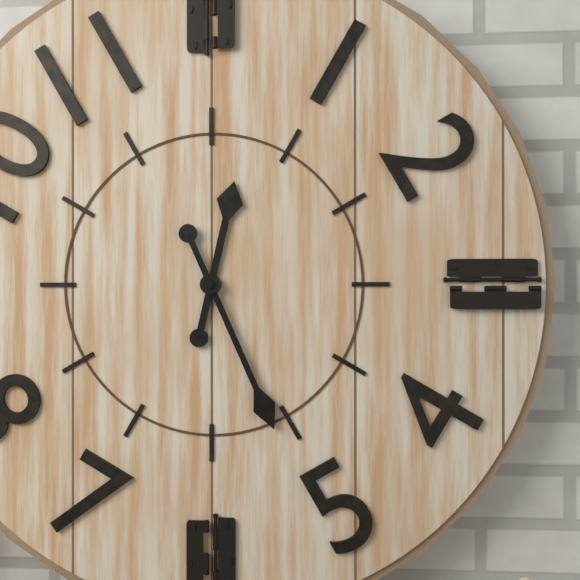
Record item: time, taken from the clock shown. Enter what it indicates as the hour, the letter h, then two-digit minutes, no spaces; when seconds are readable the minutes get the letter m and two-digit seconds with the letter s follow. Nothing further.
12h26
